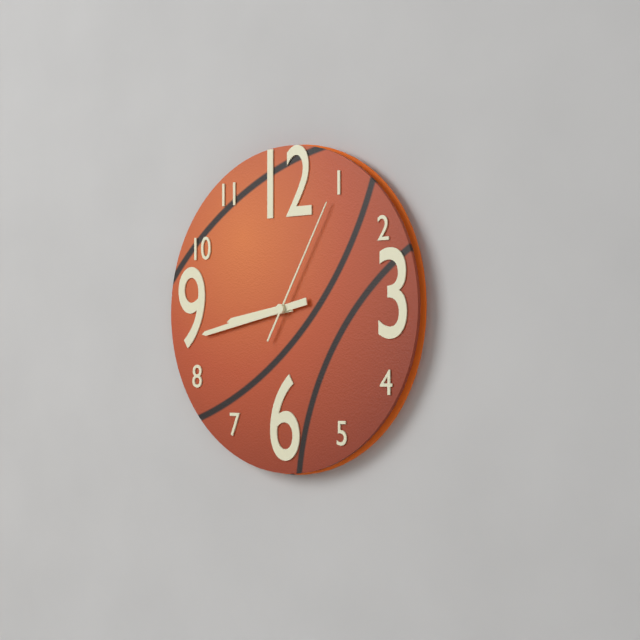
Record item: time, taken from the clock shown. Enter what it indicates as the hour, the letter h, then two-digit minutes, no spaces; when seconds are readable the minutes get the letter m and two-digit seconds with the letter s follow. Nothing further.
8h43m05s
